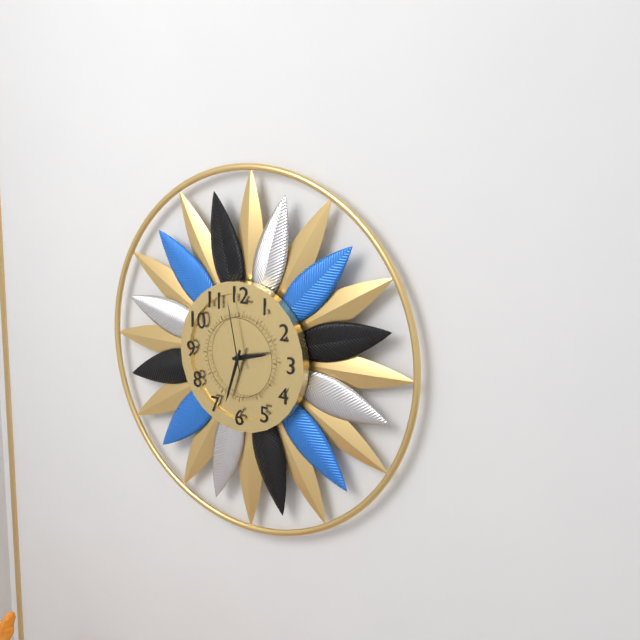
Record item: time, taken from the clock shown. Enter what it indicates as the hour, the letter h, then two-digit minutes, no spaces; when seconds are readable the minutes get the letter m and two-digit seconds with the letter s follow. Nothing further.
2h33m58s
